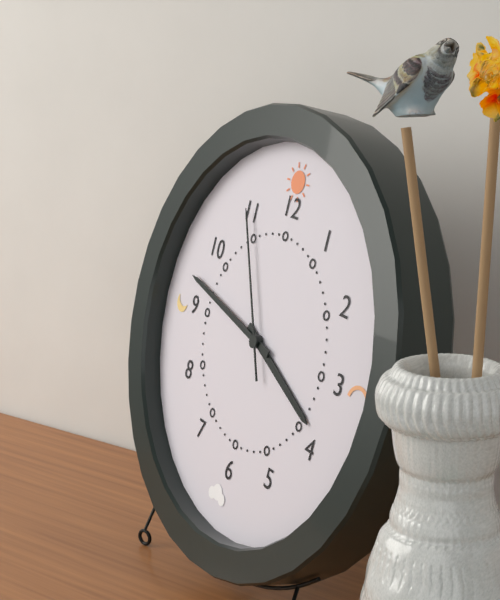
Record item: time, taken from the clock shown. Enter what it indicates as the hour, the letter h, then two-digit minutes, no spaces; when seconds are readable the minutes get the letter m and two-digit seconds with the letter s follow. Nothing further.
3h47m55s
